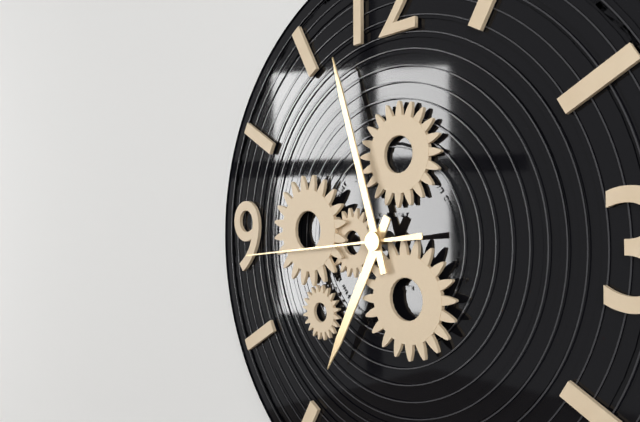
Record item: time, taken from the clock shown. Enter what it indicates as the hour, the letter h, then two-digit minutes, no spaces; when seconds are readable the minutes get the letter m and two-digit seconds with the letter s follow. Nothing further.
6h57m44s
